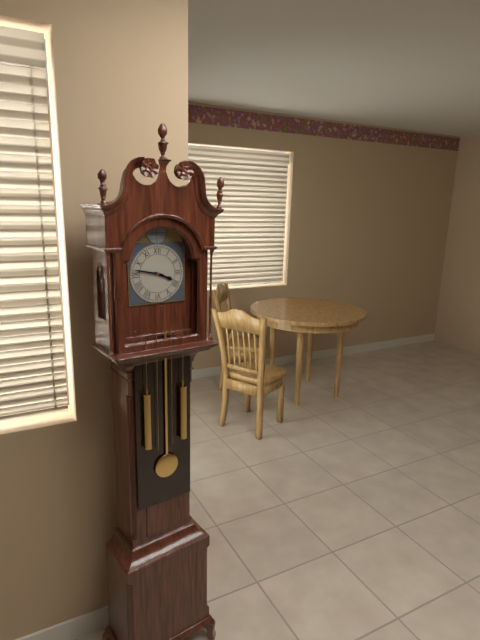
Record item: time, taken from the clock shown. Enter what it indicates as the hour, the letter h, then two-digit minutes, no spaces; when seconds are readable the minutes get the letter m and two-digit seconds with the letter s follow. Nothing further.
3h47
